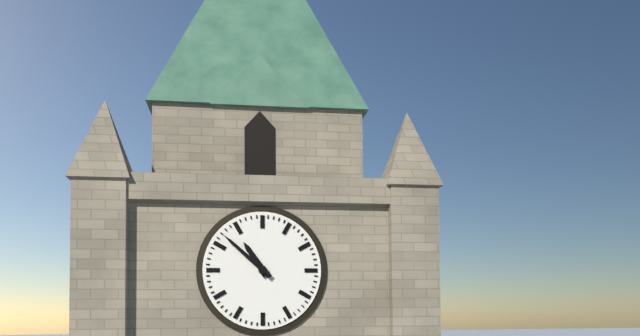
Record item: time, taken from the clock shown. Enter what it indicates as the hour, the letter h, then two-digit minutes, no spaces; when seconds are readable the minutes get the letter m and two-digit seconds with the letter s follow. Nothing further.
10h52
